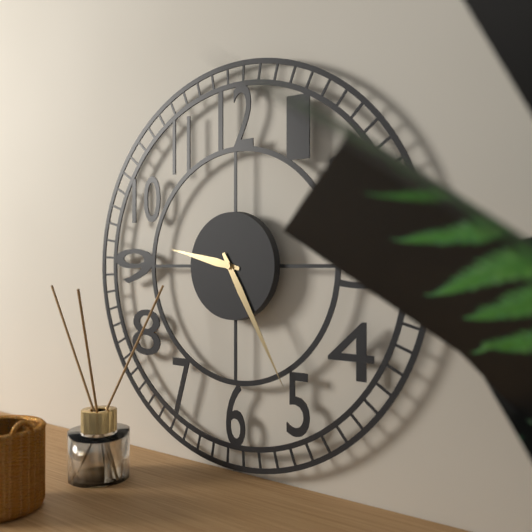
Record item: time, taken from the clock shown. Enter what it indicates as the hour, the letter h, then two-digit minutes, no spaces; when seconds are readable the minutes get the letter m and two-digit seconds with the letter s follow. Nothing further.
9h25
